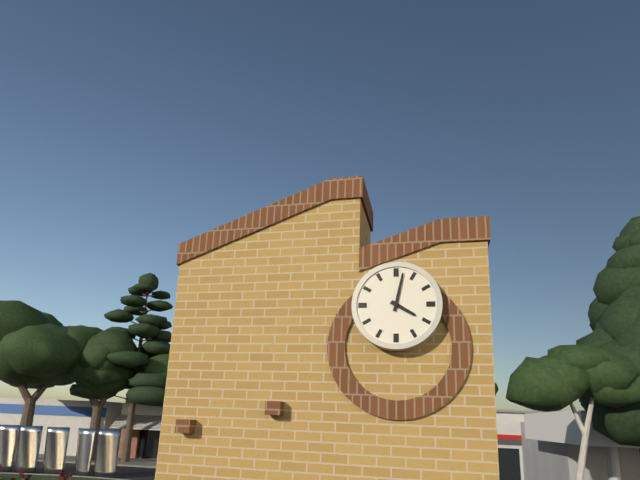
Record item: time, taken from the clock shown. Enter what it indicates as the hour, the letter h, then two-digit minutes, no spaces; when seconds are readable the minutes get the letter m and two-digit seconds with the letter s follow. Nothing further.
4h02
